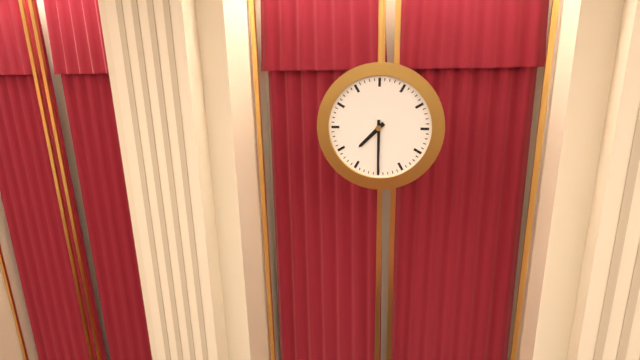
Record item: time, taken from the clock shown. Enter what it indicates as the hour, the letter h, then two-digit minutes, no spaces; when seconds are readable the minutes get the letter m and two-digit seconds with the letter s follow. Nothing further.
7h30
